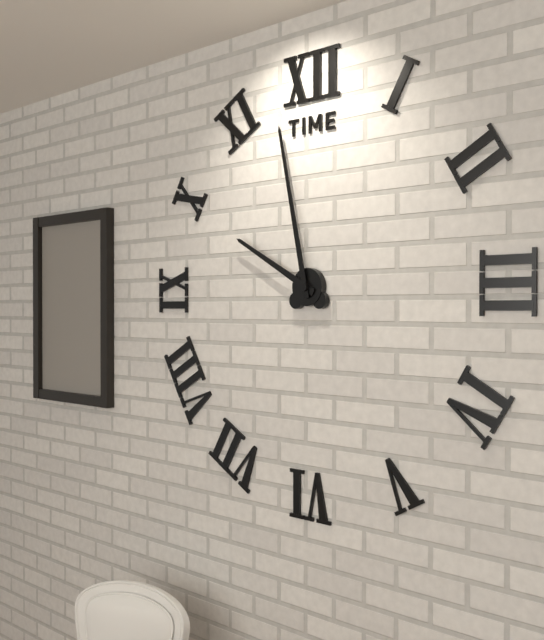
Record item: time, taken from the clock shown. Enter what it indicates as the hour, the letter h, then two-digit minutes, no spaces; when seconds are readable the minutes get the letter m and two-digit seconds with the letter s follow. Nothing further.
9h58
